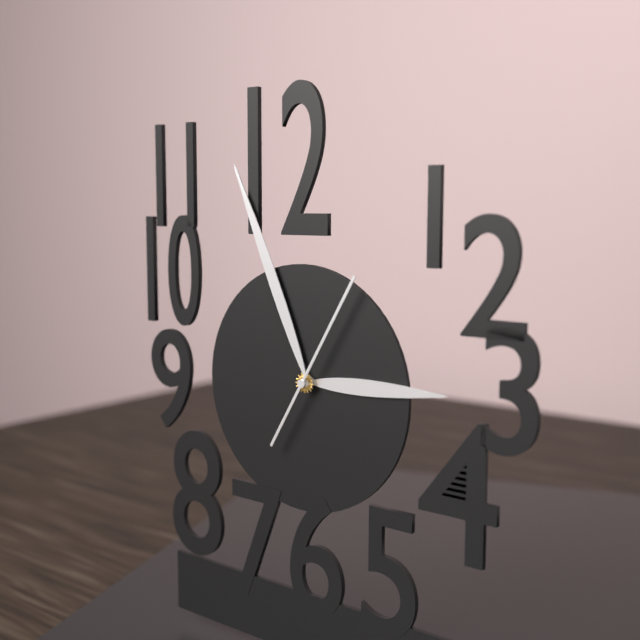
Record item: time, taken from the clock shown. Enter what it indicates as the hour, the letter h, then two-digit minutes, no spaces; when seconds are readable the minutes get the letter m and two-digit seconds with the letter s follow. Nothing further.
2h56m05s
